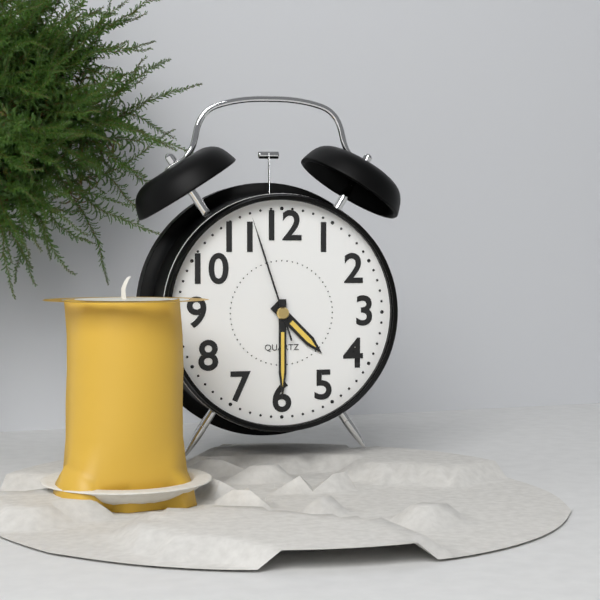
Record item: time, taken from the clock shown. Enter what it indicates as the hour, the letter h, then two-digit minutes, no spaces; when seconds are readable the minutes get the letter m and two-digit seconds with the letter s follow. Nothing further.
4h30m57s
